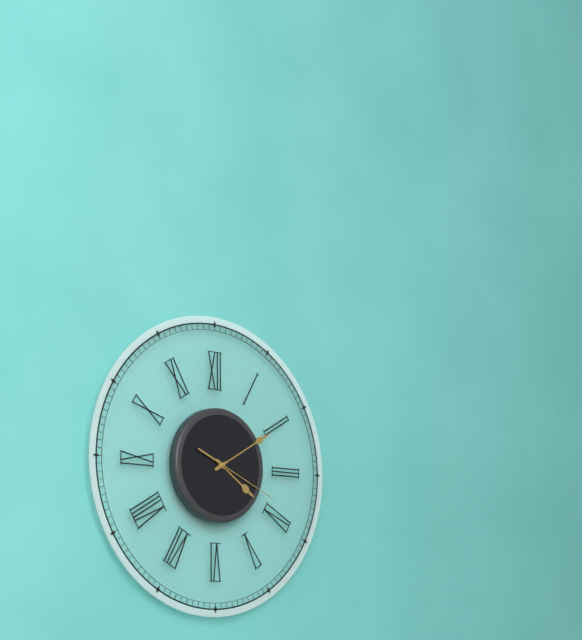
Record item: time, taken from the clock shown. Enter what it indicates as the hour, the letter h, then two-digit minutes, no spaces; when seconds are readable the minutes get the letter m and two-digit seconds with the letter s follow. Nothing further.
4h10m19s
